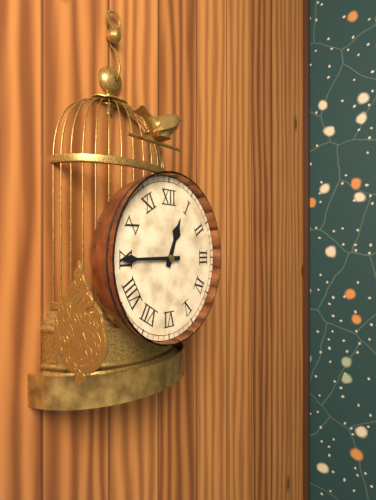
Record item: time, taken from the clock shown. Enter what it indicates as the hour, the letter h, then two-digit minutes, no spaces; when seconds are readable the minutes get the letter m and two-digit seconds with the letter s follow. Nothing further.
12h45
